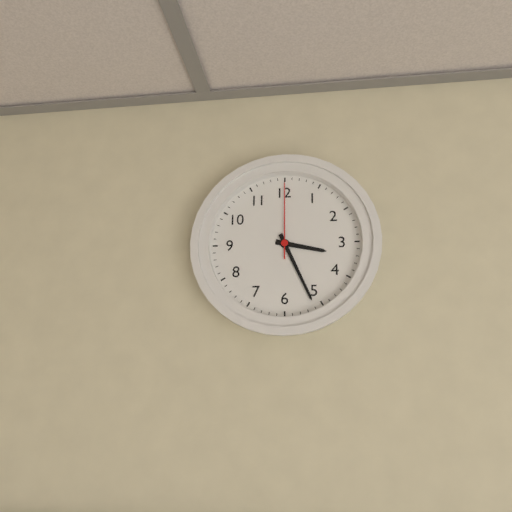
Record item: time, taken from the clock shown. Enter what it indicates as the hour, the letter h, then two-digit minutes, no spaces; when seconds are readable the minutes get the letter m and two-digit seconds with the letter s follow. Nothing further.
3h26m00s
